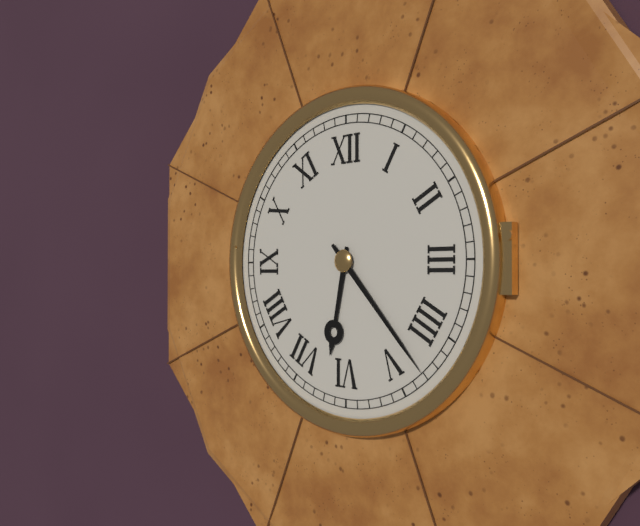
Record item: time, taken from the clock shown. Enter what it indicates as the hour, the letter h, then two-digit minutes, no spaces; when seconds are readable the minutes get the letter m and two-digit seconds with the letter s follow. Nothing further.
6h23
